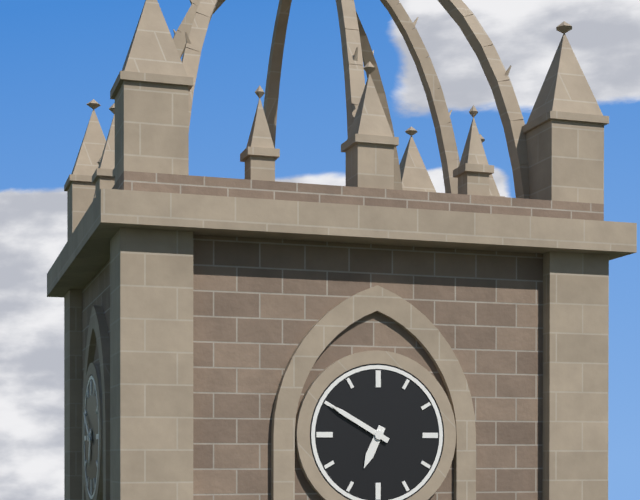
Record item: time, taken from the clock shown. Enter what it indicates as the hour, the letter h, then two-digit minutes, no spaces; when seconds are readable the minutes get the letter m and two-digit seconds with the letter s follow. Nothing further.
6h50
